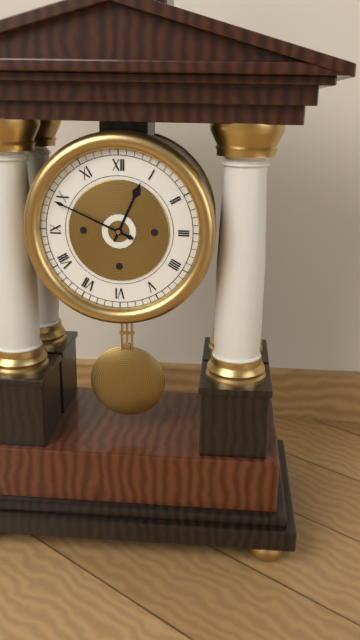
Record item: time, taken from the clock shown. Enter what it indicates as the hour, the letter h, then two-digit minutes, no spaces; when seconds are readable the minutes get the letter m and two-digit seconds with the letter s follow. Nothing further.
12h49
